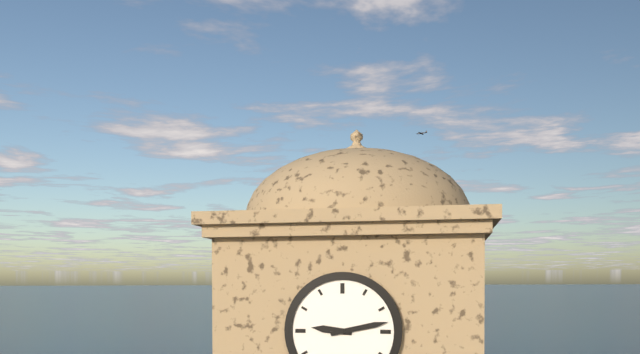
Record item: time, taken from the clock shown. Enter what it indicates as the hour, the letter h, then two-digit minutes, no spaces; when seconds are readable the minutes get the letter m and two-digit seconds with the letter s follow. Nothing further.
9h13
